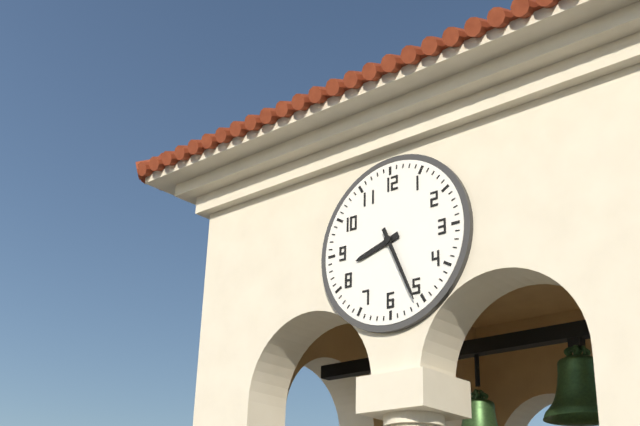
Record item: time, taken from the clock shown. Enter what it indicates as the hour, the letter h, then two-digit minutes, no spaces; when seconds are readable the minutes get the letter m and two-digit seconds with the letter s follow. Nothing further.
8h26
